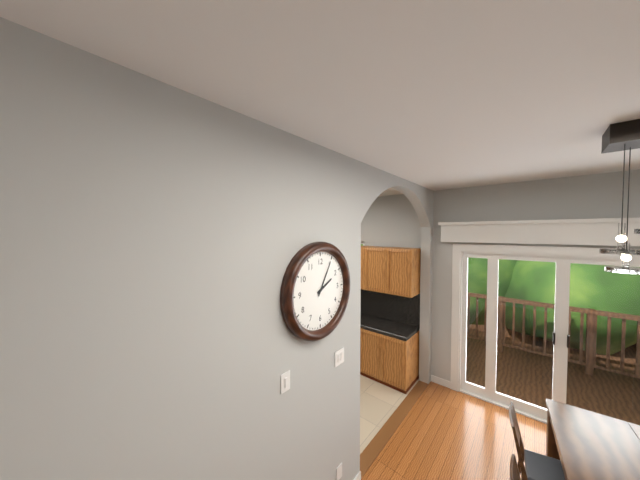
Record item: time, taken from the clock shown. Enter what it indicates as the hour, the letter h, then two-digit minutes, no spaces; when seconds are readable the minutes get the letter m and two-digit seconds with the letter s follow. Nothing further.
2h05
